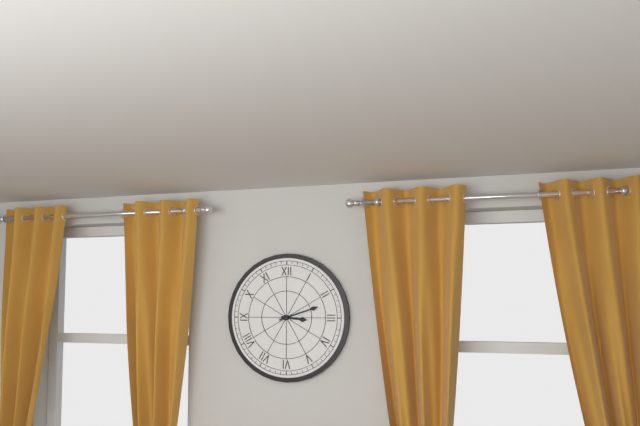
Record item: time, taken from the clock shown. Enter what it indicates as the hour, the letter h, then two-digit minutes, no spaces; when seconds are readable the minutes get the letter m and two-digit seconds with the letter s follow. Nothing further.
3h12
